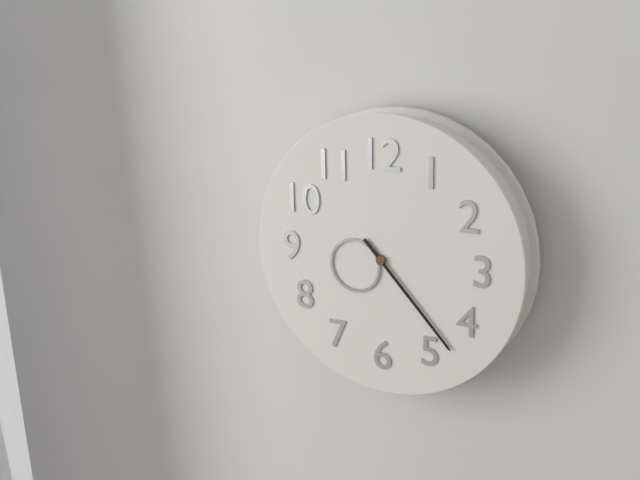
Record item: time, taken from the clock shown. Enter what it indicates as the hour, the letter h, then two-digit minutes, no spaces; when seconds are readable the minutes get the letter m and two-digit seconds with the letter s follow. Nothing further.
8h23
